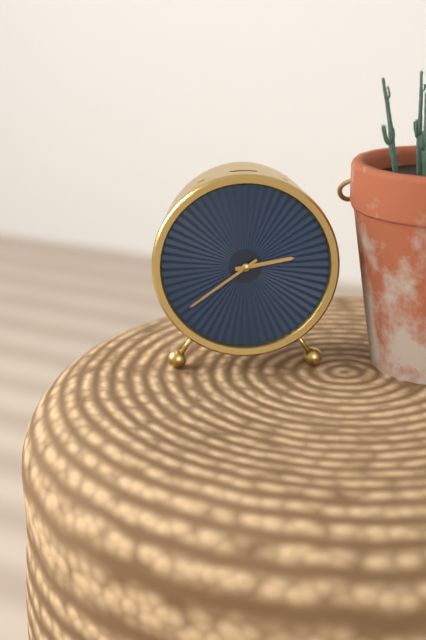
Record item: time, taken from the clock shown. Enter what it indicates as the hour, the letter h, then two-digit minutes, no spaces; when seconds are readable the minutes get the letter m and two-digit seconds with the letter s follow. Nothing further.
2h39
